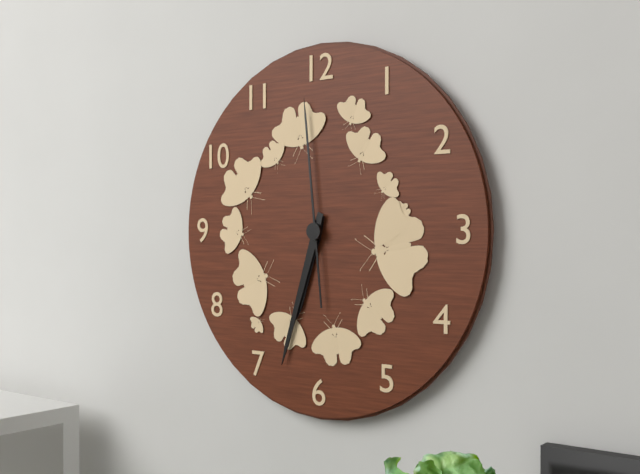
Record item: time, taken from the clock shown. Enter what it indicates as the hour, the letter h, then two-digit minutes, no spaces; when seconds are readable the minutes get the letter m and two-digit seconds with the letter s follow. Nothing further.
6h33m59s
